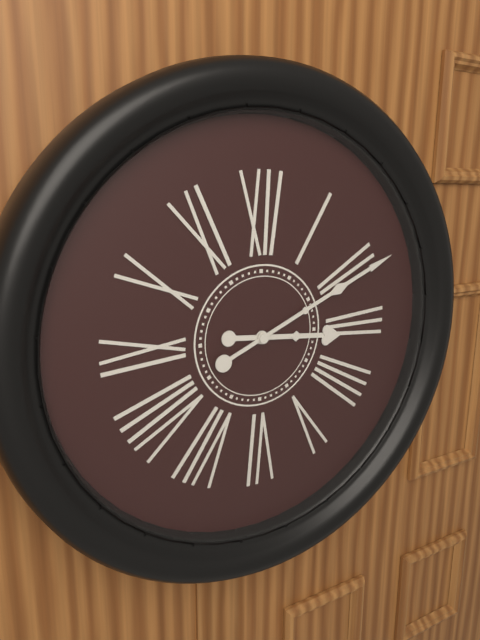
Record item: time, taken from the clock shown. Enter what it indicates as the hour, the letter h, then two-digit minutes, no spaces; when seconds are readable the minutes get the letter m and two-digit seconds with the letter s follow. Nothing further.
3h11
